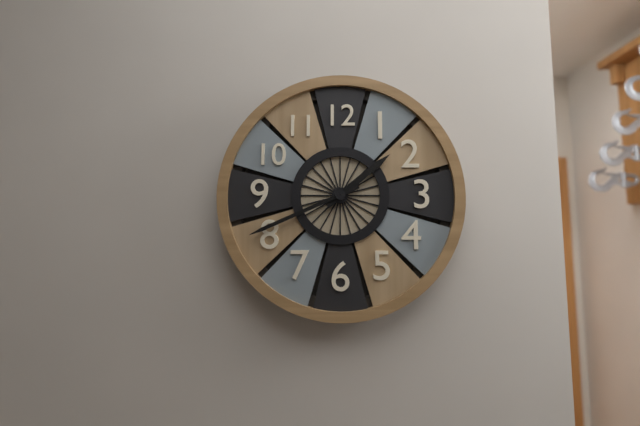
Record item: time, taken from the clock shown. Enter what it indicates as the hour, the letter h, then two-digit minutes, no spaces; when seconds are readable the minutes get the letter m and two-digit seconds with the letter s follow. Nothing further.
1h41
